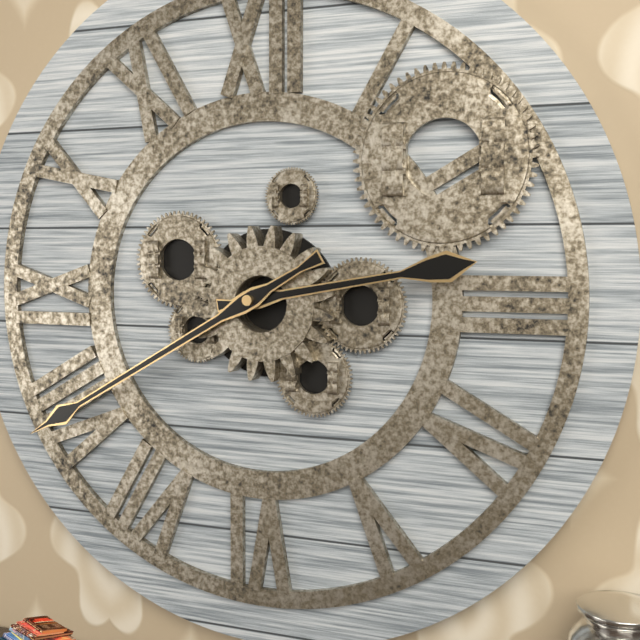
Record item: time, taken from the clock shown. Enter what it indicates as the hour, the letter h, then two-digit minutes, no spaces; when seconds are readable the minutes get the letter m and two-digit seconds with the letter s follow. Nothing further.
2h40
